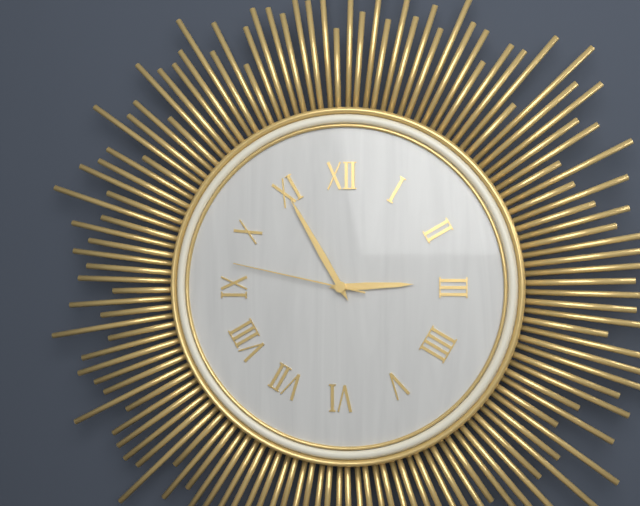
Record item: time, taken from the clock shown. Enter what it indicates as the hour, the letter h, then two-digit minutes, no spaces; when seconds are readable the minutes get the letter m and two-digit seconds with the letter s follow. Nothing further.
2h55m47s
